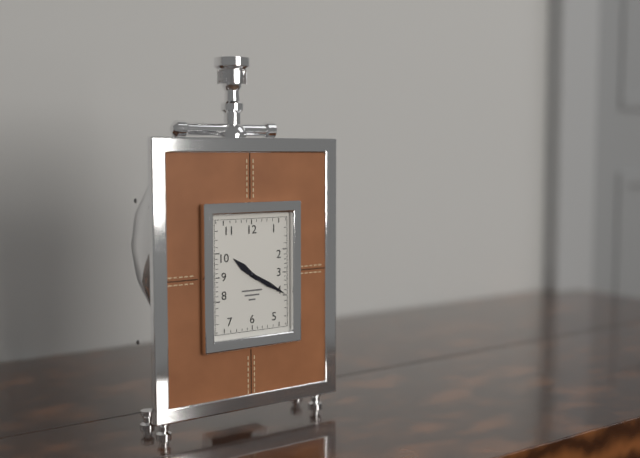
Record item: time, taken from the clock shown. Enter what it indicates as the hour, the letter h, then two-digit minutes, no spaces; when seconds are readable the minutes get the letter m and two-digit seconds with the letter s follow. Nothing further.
10h20
